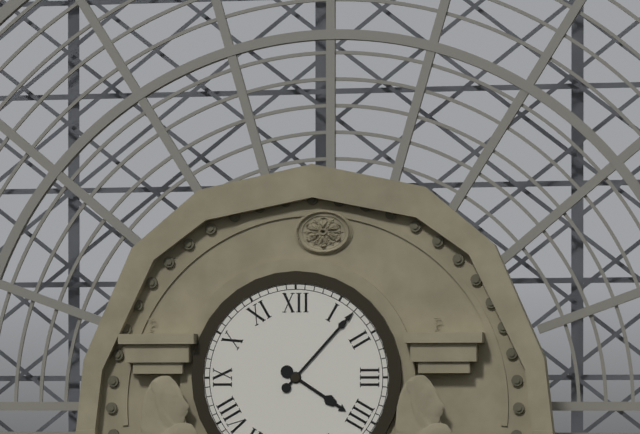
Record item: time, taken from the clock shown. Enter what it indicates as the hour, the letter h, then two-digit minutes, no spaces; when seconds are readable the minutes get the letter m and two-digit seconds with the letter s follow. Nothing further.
4h07
